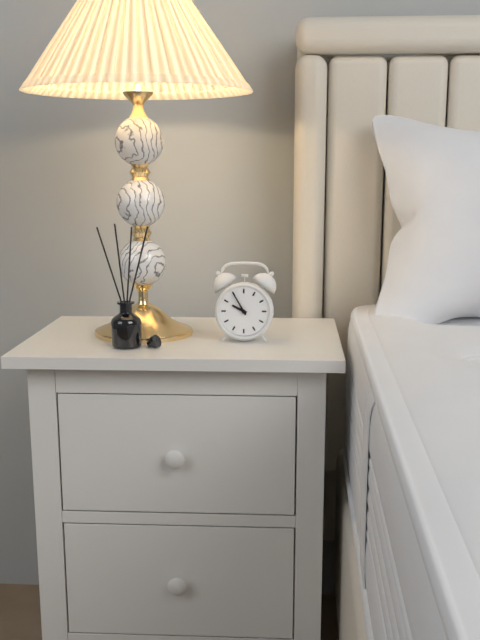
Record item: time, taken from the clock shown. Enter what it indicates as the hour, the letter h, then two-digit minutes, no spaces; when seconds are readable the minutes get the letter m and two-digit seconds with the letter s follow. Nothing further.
9h55
